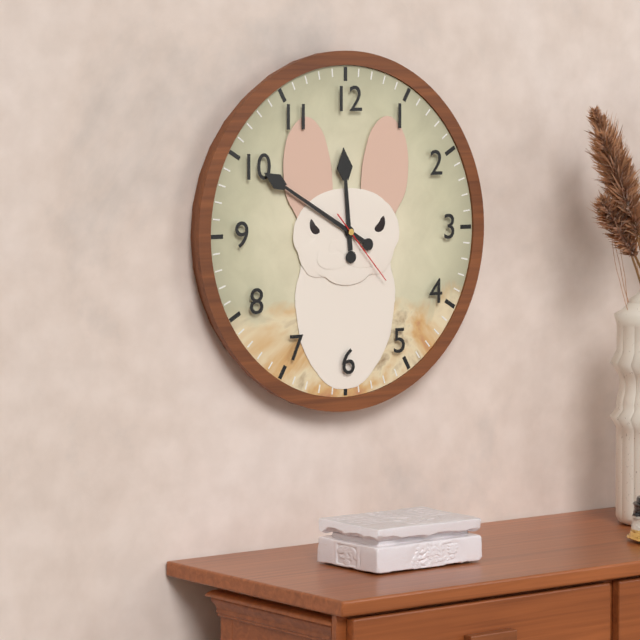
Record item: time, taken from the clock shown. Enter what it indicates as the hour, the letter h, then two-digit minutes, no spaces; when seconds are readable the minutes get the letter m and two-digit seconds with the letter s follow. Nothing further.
11h50m23s
